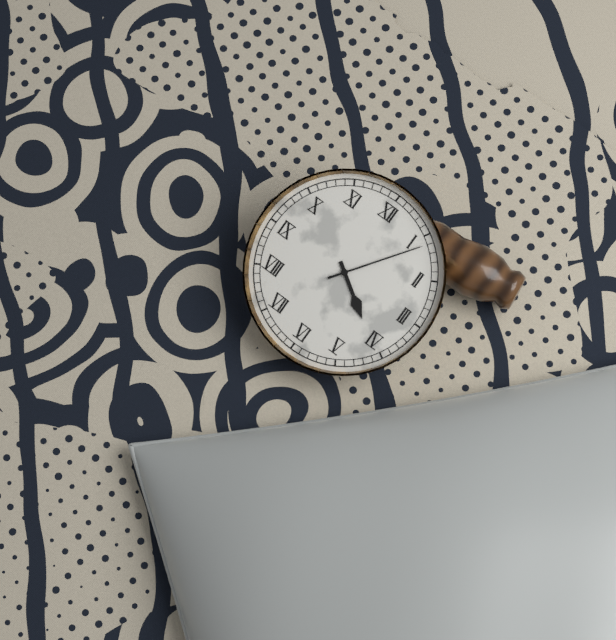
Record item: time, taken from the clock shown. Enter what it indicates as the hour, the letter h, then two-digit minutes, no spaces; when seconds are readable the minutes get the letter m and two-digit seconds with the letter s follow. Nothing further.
4h06
